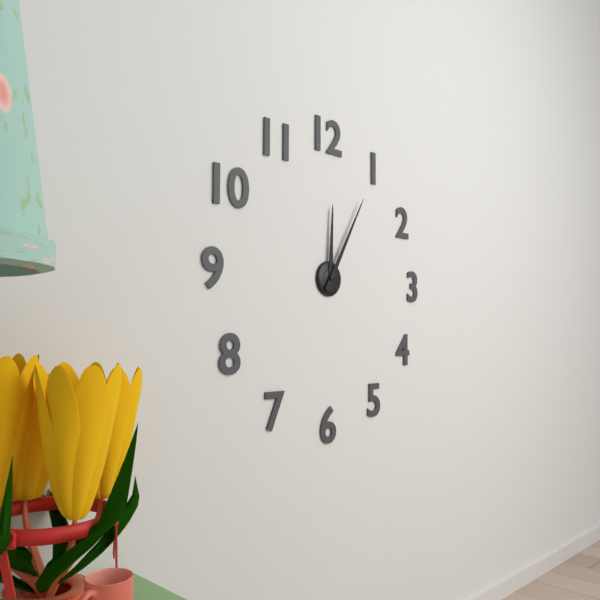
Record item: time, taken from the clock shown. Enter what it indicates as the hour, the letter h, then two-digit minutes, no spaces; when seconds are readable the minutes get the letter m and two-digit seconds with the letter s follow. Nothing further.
12h05
